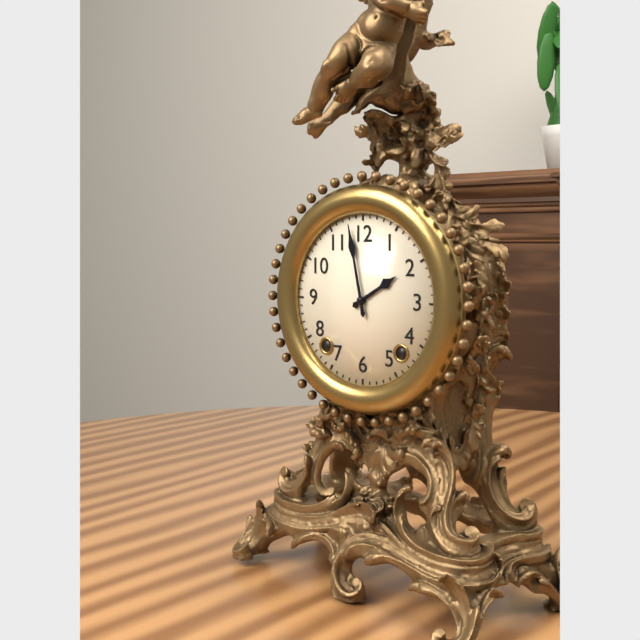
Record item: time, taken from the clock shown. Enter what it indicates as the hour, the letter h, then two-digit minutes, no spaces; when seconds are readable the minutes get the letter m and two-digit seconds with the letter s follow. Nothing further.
1h58
